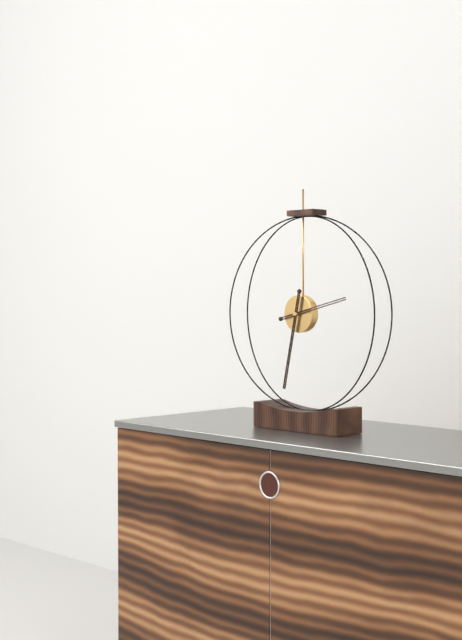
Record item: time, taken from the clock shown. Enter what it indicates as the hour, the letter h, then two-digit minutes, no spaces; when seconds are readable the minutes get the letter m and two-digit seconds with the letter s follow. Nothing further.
2h32
